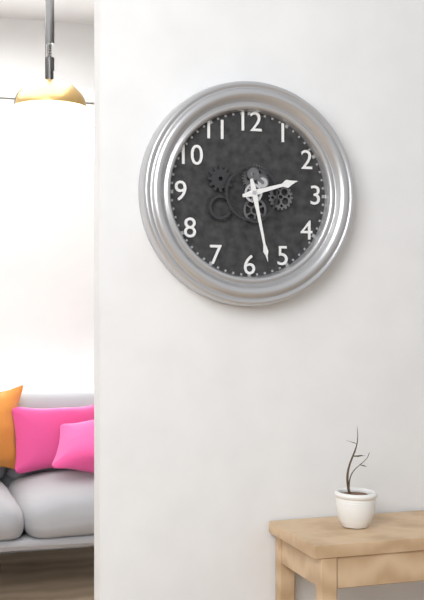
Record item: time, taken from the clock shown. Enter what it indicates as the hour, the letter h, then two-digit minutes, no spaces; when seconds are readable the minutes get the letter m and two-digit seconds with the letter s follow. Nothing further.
2h28
